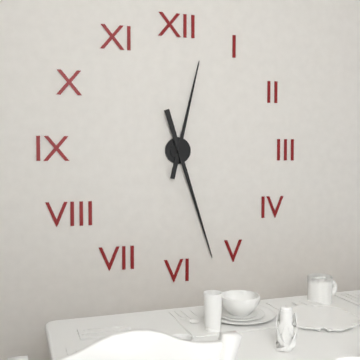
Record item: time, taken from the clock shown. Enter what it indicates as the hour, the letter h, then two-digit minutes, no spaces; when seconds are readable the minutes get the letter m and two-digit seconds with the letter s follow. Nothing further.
12h27
